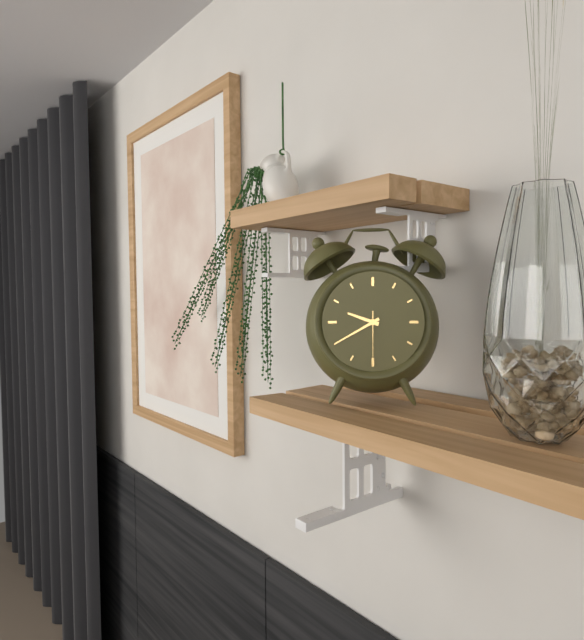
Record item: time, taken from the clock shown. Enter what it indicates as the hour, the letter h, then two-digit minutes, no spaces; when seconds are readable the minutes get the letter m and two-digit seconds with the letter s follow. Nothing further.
9h40m30s
